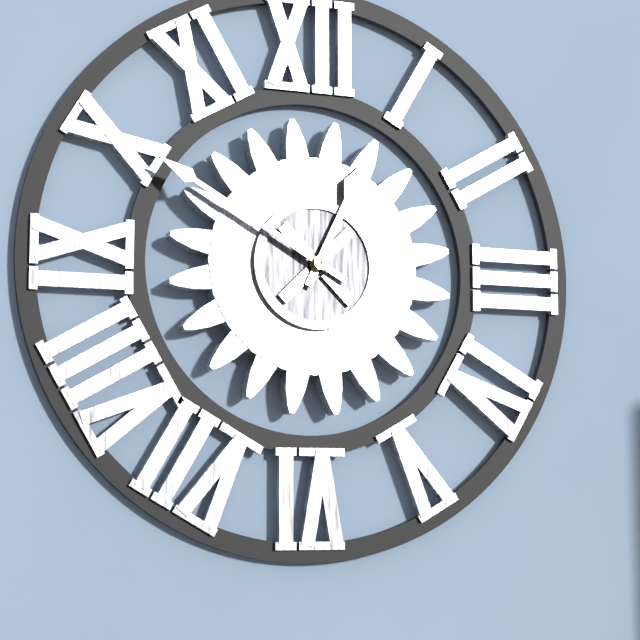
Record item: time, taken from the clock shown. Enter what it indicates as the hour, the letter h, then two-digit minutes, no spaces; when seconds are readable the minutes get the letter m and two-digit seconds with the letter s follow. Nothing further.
12h50
